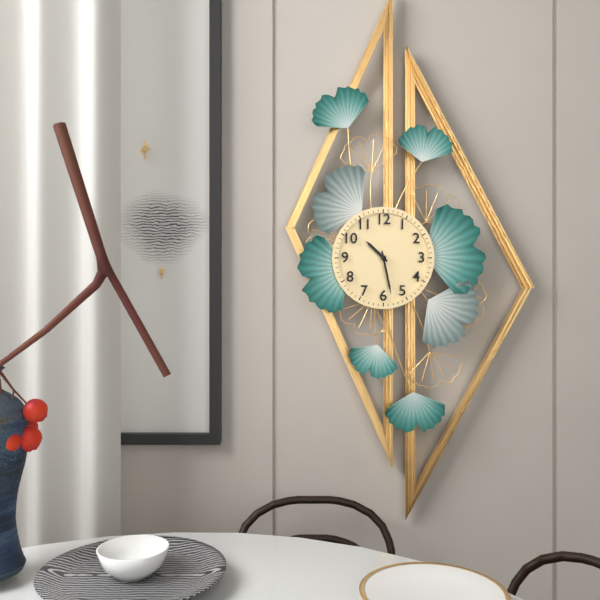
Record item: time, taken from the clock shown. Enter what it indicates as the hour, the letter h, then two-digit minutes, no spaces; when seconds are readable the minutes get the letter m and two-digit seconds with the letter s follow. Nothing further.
10h28
